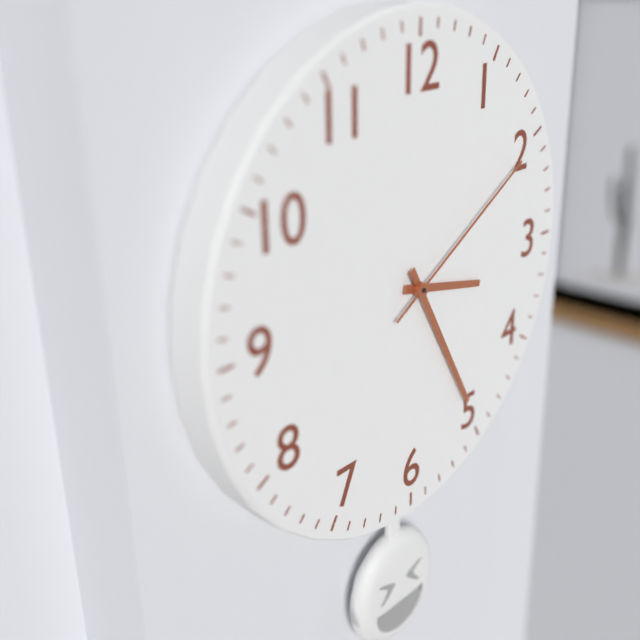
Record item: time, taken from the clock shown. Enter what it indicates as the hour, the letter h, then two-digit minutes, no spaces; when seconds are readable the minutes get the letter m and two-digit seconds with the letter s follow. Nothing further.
3h25m10s
